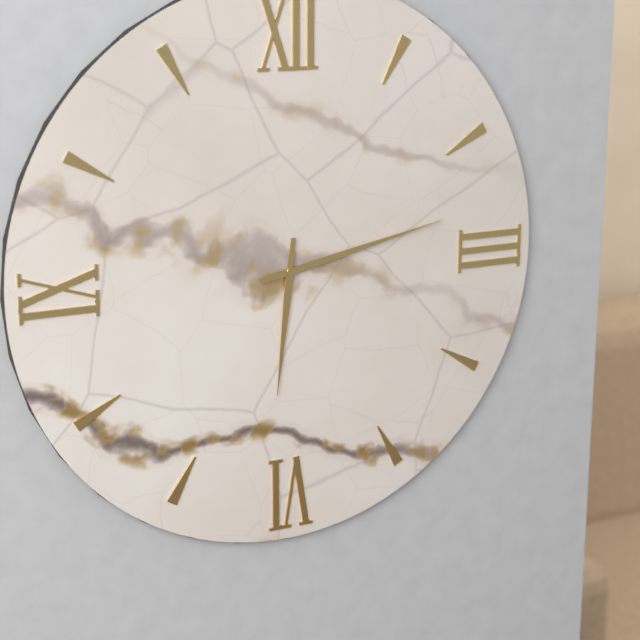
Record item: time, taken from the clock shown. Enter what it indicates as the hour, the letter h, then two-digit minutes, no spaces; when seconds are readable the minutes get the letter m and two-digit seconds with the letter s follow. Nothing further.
6h13
